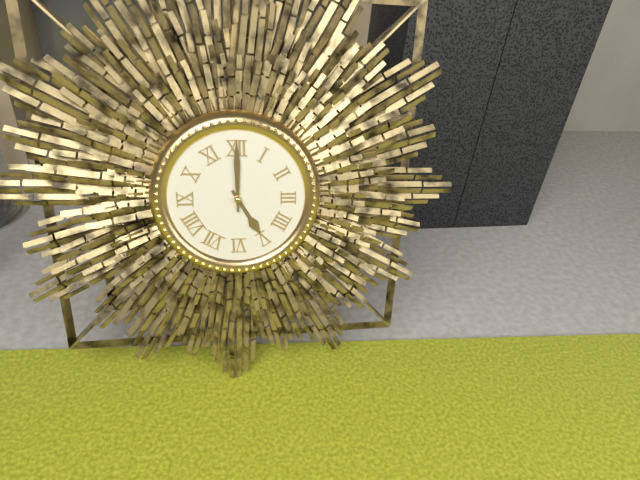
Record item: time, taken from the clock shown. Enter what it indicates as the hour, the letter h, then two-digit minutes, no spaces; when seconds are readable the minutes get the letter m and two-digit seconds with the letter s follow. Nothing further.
5h00
